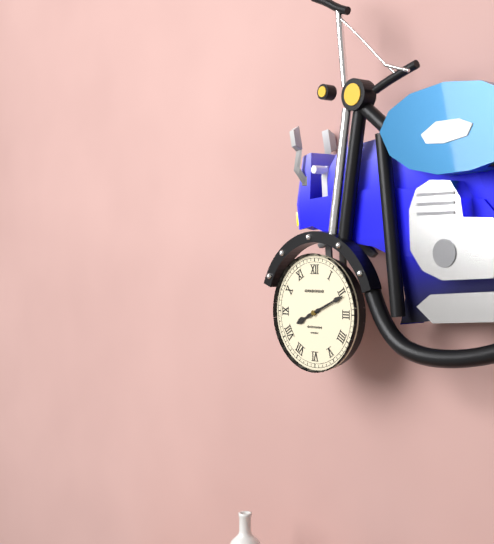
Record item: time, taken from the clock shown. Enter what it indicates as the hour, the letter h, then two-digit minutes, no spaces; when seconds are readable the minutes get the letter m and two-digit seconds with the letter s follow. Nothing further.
8h11
